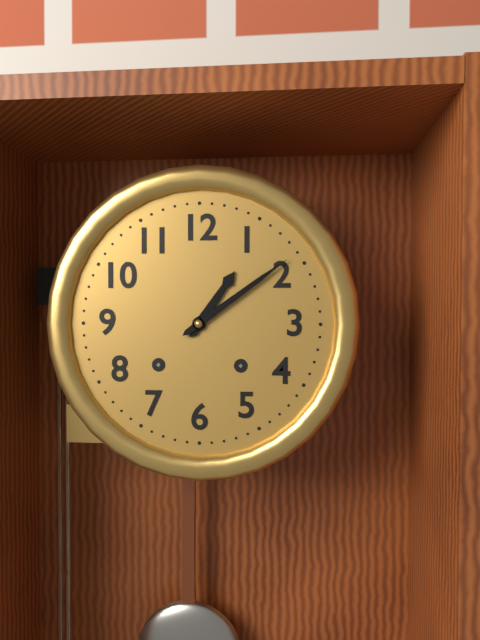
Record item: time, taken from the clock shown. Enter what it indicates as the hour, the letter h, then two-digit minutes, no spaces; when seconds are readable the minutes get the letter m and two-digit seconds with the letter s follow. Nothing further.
1h09
